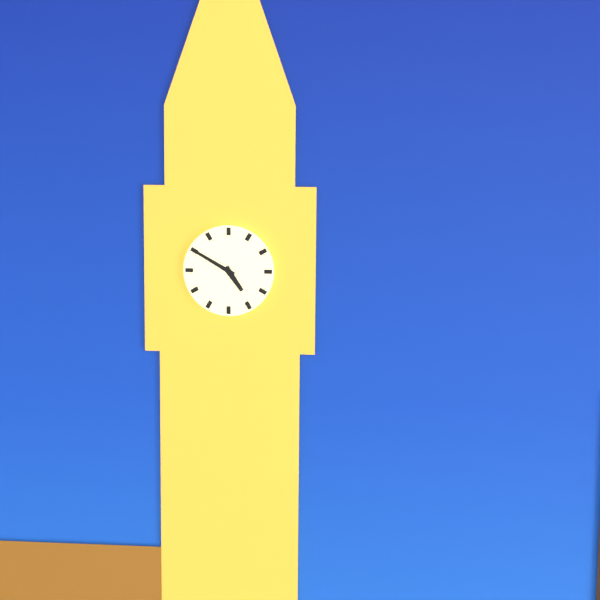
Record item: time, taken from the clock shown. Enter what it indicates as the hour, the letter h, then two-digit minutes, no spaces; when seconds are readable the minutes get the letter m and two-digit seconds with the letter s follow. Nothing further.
4h50
